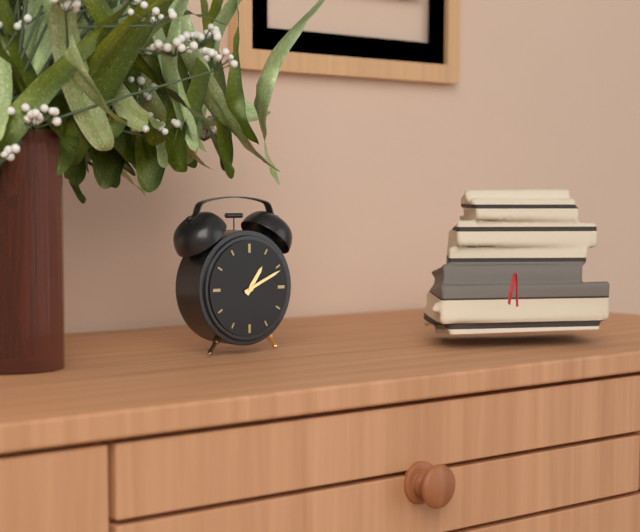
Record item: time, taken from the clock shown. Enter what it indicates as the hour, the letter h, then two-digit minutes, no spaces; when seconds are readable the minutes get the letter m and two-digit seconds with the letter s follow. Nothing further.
1h11
